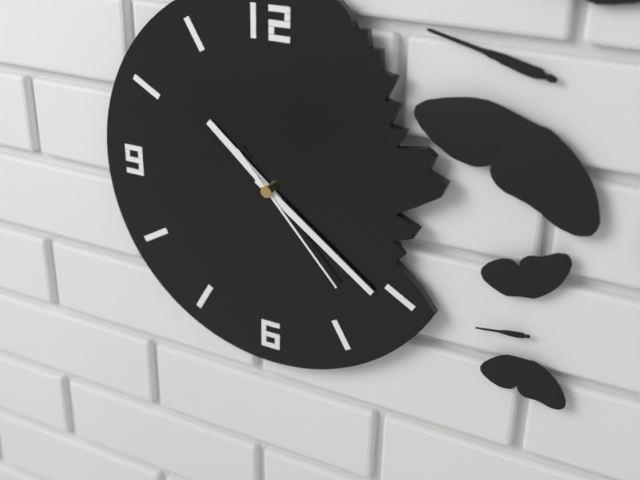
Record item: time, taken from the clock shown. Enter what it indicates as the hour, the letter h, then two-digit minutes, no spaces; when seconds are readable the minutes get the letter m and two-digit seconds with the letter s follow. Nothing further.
10h21m23s
